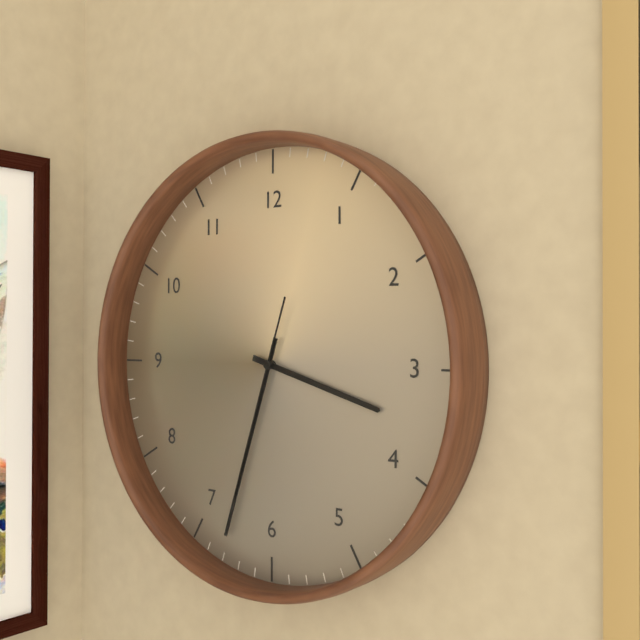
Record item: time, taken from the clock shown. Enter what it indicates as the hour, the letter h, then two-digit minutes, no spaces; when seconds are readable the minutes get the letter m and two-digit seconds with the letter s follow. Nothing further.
3h33m33s
